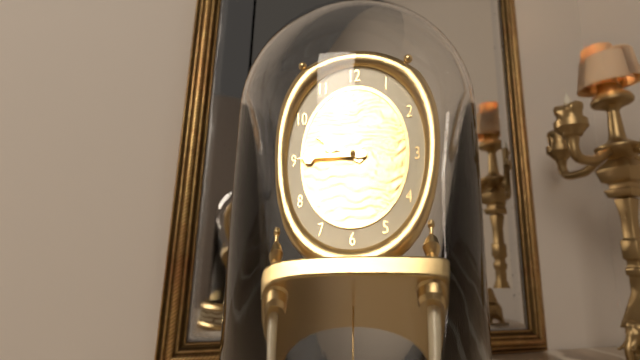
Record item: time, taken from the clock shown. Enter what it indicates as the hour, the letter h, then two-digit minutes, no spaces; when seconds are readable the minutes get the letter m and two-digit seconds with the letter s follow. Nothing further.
9h45
